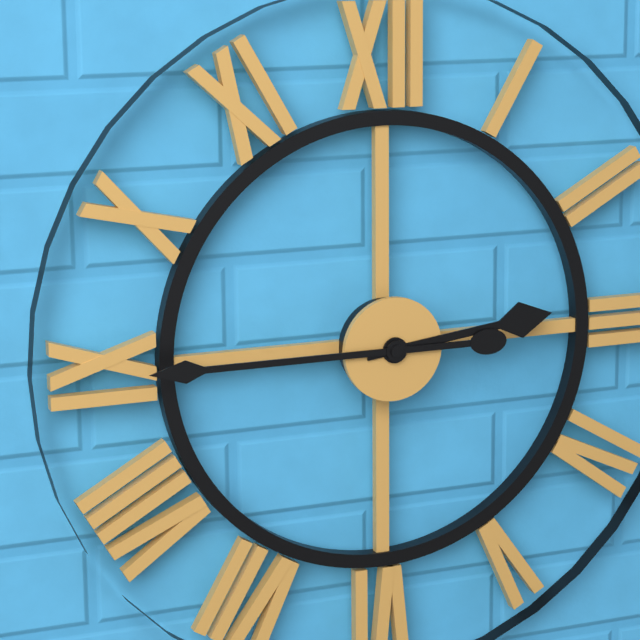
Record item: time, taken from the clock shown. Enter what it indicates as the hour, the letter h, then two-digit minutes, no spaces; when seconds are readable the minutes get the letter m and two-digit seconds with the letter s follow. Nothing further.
2h45
